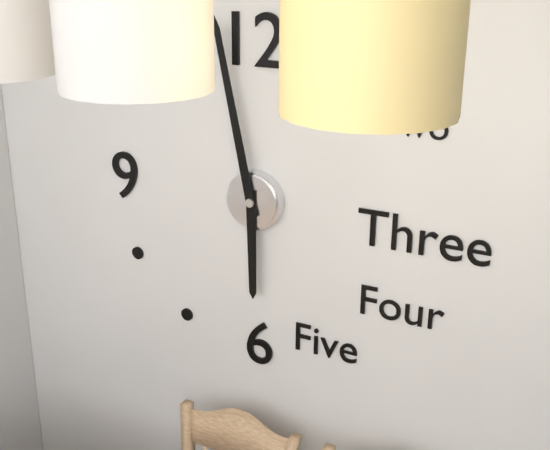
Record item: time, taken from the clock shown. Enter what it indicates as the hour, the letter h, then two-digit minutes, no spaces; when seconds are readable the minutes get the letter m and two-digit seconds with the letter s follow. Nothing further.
5h58
